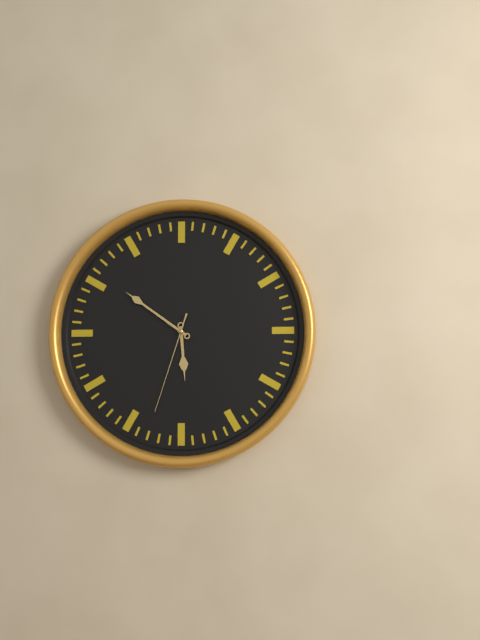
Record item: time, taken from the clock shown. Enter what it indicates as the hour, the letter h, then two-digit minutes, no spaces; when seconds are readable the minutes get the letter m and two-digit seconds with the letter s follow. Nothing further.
5h51m33s
